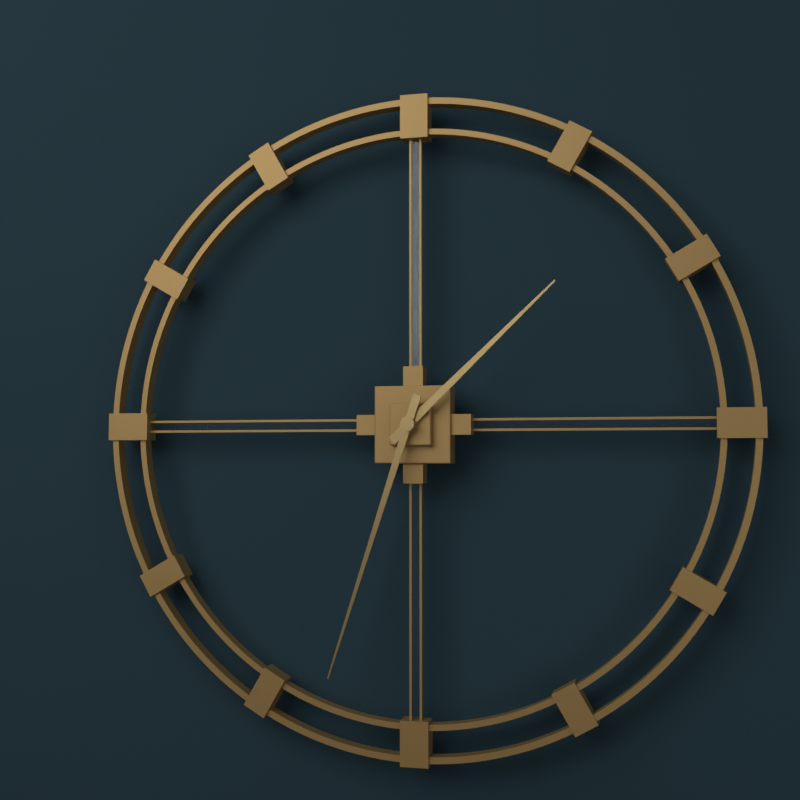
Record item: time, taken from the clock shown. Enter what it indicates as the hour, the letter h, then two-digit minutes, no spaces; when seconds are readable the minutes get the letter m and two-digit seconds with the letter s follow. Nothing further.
1h33
